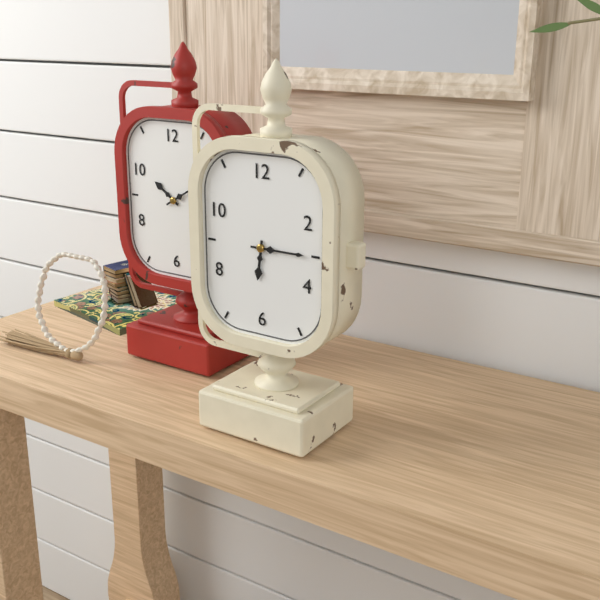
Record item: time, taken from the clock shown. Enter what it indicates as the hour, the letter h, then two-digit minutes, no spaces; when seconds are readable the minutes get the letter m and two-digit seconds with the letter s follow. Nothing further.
6h15
